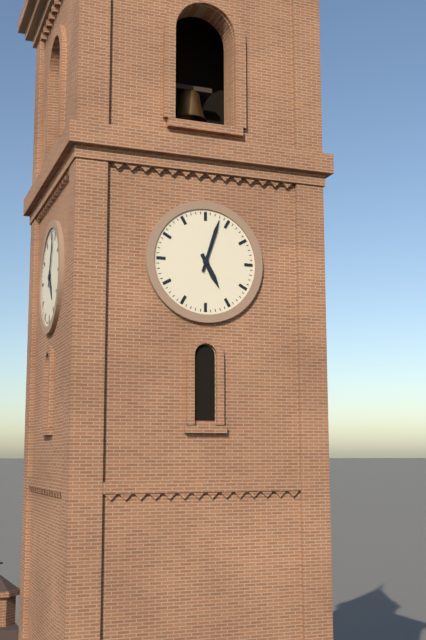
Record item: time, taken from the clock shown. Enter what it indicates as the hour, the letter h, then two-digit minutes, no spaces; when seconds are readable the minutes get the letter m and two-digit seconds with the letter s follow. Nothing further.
5h03
